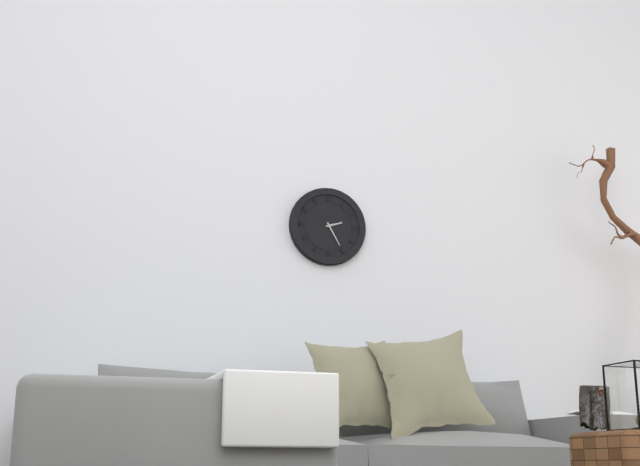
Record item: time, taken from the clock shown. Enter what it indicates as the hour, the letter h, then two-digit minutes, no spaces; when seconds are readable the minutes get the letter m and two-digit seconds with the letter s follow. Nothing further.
2h25
